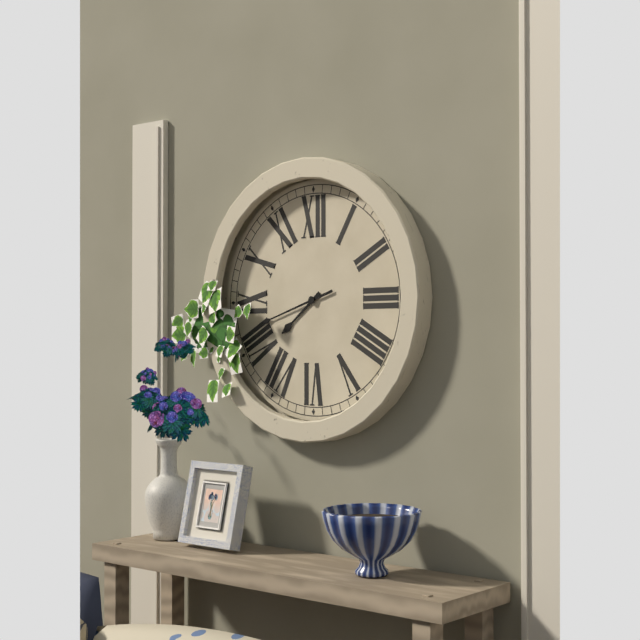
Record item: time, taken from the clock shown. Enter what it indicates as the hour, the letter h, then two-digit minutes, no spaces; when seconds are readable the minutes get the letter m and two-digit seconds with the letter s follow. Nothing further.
7h42
